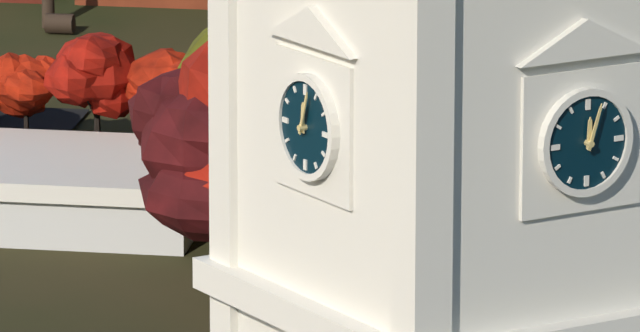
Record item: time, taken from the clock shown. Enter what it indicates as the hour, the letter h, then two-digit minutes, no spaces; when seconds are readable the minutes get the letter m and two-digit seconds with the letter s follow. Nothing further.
12h03
